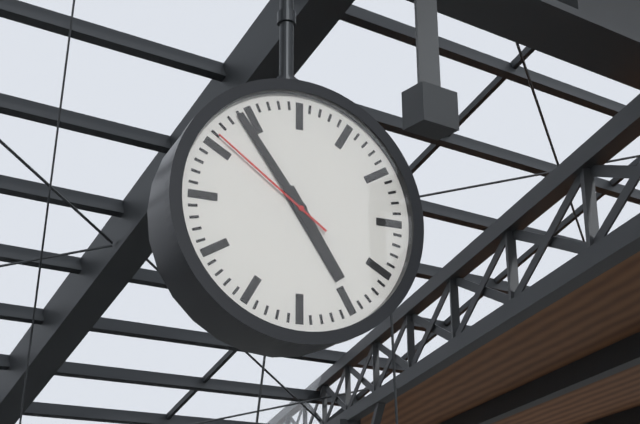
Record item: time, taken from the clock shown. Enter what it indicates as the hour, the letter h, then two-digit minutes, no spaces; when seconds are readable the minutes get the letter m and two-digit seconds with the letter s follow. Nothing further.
4h54m51s
